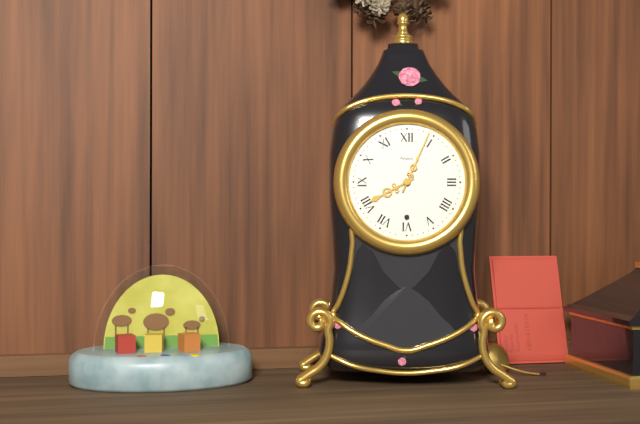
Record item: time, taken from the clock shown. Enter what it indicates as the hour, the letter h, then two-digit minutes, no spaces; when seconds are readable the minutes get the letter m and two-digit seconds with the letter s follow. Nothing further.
8h04
